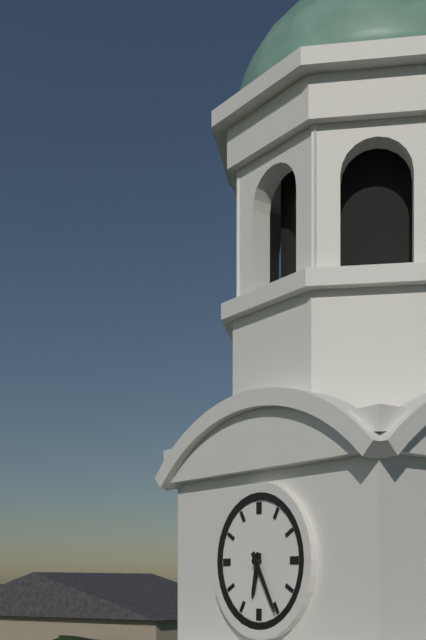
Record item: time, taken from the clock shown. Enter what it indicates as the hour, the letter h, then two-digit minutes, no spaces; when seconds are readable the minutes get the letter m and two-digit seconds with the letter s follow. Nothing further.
6h25
